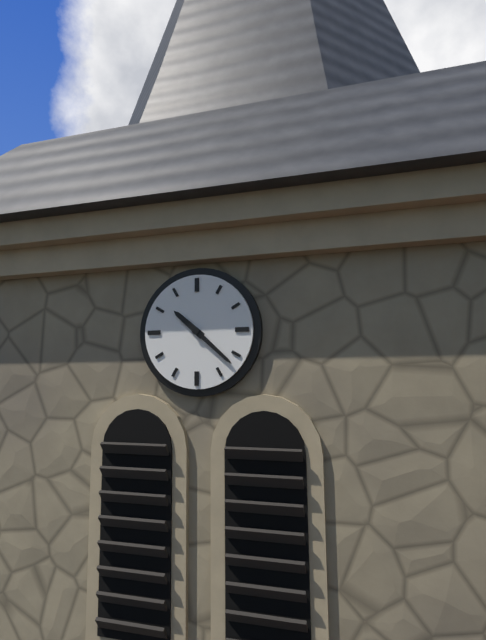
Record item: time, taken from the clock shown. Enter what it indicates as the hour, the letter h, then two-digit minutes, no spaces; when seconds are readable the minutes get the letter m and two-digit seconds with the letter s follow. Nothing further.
10h22
